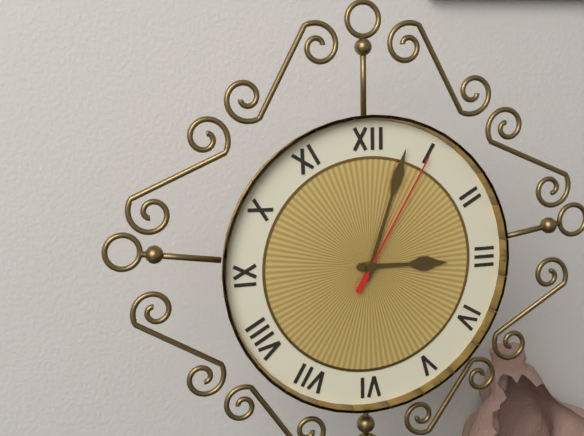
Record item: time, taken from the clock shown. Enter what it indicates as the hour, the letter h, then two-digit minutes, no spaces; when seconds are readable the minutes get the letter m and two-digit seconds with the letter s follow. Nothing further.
3h03m05s
